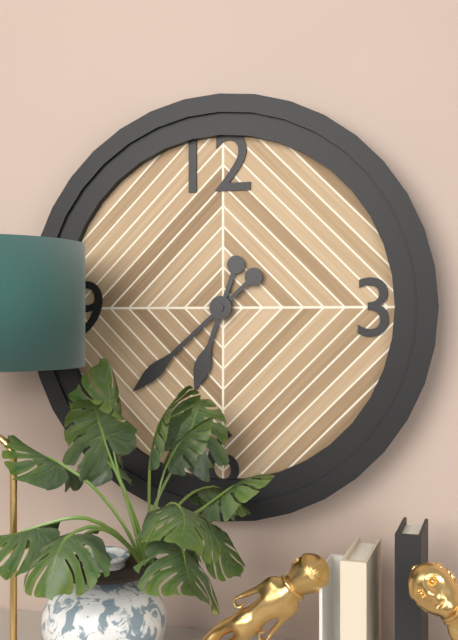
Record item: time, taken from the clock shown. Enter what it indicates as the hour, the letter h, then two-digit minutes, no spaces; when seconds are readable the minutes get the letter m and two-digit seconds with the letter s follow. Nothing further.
6h38
